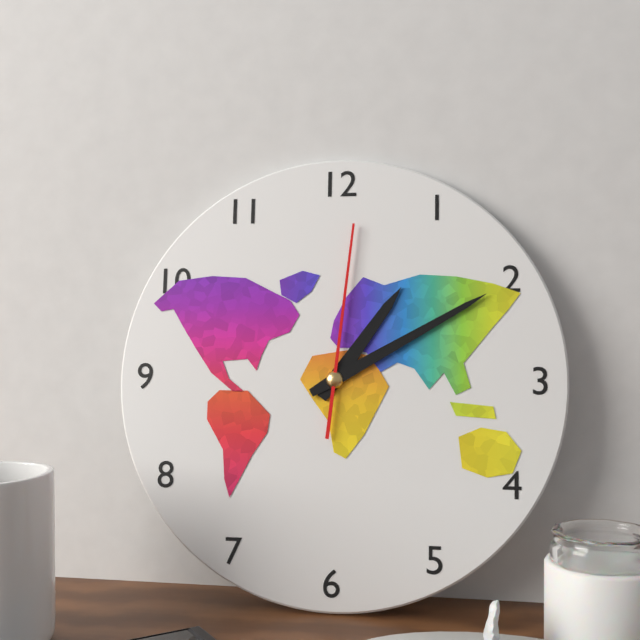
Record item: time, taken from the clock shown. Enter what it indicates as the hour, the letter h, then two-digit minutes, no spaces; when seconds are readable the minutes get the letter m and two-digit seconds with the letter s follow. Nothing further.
1h10m01s
